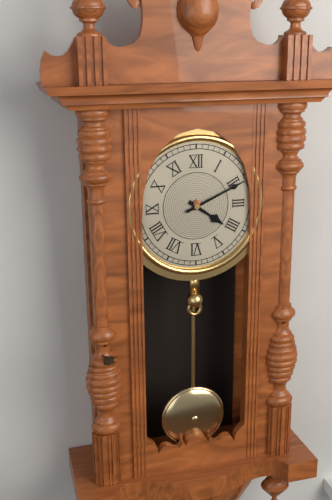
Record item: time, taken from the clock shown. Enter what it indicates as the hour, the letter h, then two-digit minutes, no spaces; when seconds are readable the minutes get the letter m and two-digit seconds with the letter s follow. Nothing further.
4h11
